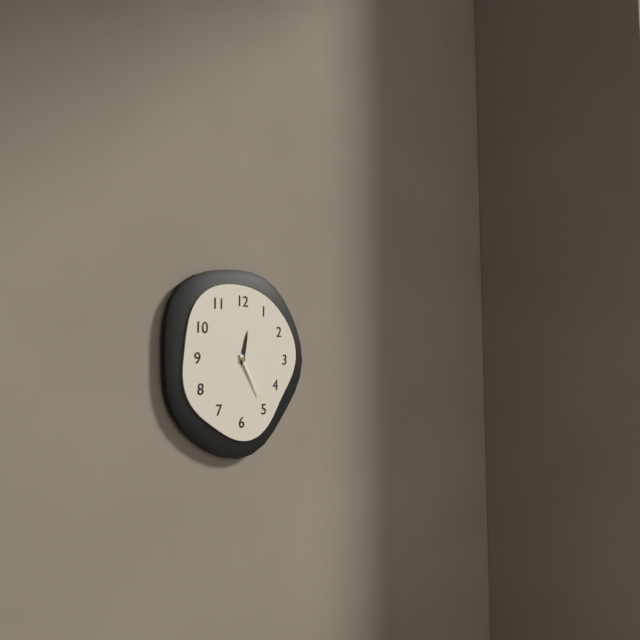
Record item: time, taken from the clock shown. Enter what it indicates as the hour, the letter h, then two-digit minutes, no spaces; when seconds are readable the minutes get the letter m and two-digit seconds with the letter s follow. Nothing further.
12h25
